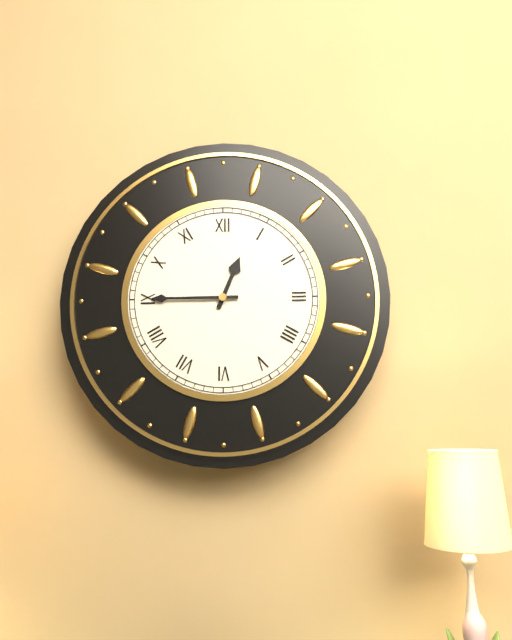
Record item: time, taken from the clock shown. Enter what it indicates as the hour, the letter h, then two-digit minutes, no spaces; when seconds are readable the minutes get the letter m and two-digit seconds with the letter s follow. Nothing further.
12h45
